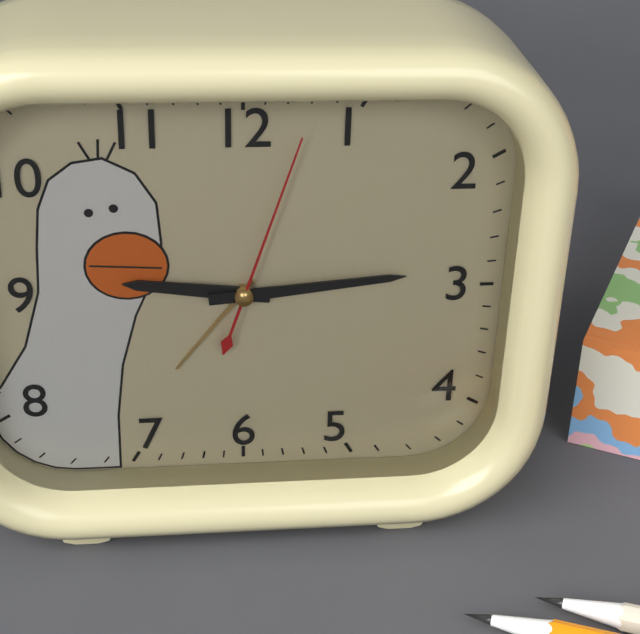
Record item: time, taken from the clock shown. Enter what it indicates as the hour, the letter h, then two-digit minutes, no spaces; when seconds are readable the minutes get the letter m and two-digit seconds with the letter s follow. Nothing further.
9h14m03s
